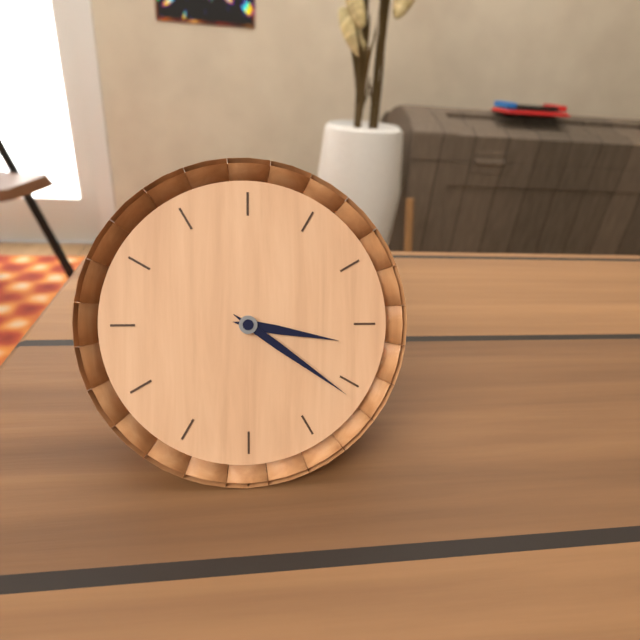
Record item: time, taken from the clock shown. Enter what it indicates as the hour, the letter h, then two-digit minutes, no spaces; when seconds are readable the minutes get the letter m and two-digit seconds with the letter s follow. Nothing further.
3h21
